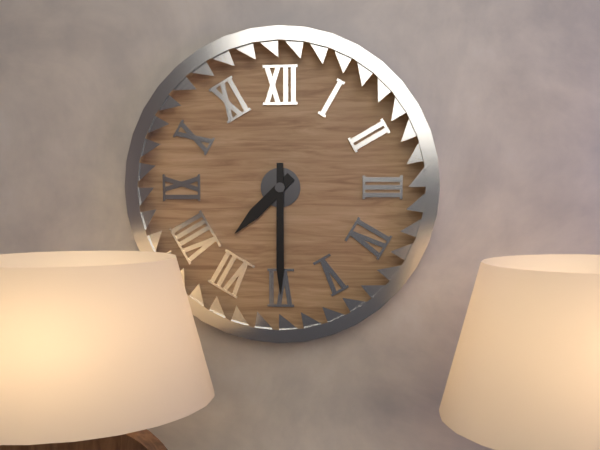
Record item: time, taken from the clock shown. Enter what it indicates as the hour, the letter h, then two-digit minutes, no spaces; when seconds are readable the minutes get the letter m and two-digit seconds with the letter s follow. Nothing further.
7h30
